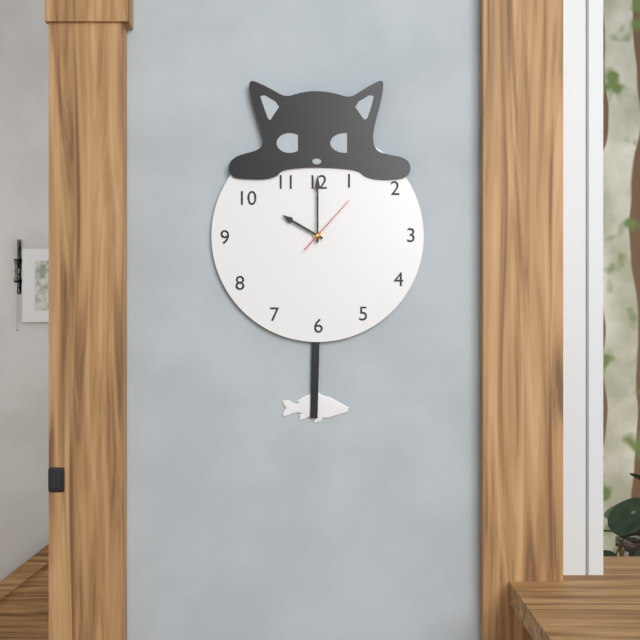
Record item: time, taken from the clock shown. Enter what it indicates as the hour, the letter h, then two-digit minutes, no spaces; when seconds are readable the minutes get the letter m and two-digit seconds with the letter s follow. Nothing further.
10h00m07s
